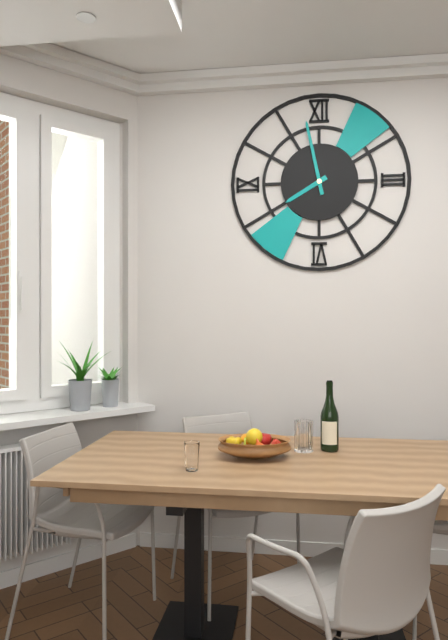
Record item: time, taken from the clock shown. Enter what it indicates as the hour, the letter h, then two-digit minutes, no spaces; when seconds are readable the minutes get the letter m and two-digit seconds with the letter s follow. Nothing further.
7h58
